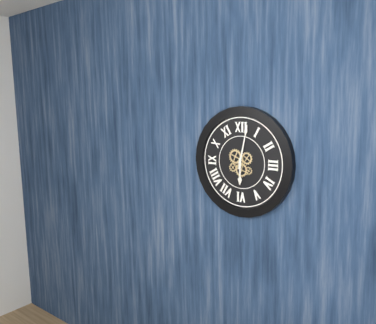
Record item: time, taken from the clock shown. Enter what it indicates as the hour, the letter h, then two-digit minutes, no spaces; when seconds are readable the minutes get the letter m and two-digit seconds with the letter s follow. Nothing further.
6h02
